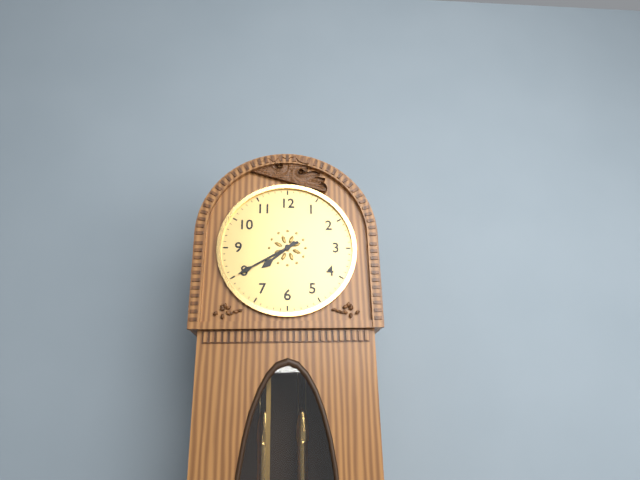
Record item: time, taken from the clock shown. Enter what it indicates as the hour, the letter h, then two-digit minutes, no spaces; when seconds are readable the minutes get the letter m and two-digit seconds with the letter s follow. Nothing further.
7h40
